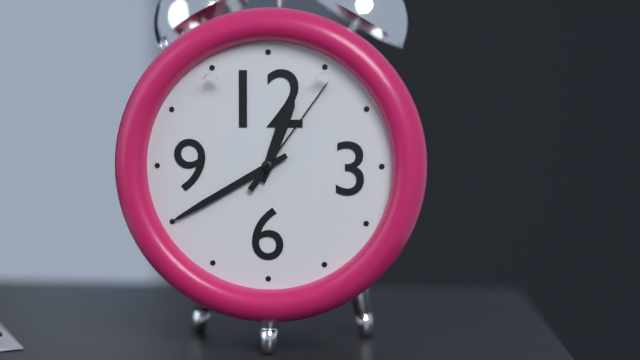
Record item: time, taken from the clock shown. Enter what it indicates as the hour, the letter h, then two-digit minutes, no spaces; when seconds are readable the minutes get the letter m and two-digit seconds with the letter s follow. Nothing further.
12h40m06s
